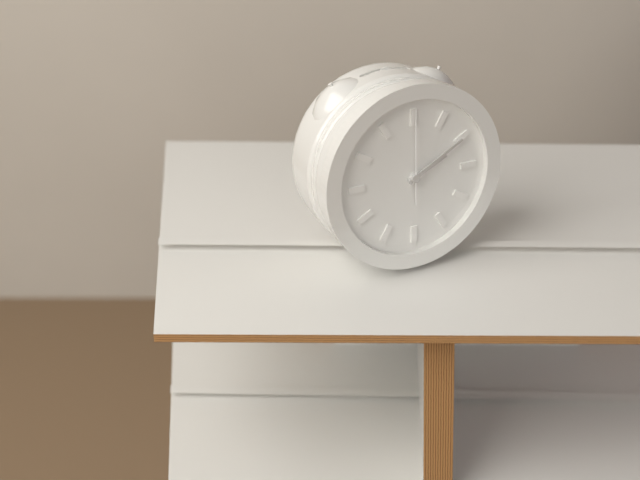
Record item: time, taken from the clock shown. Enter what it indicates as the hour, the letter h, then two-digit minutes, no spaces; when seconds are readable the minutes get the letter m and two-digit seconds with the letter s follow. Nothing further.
2h10m00s
